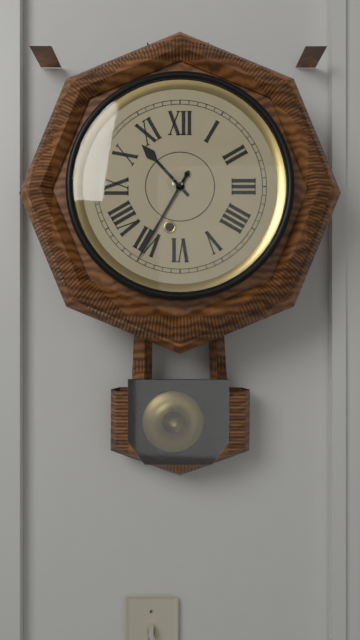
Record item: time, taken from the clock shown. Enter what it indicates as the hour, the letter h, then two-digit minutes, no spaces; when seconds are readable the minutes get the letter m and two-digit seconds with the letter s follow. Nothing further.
10h35
